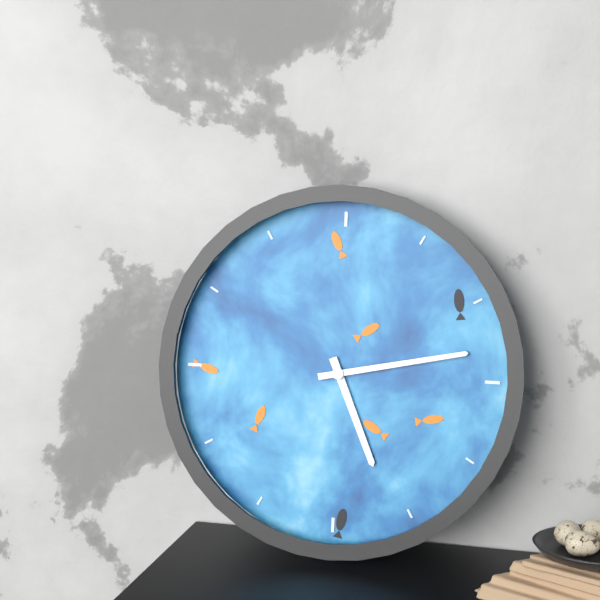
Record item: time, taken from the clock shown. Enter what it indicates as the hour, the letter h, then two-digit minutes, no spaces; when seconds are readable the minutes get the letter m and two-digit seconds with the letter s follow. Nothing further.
5h13
